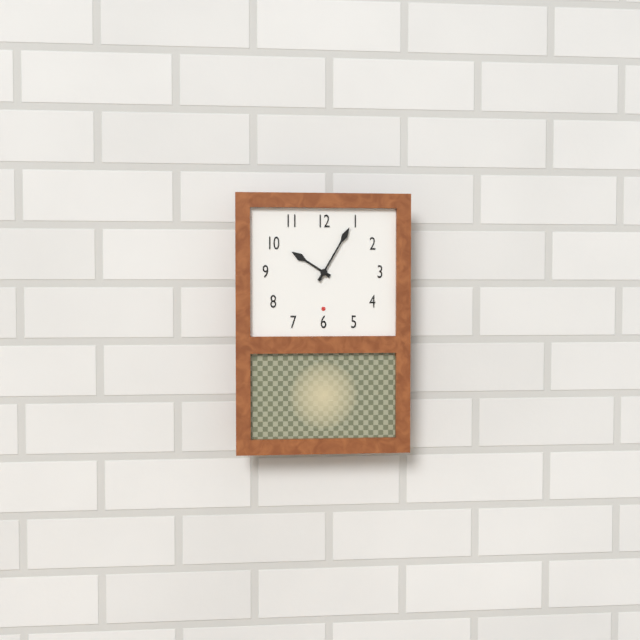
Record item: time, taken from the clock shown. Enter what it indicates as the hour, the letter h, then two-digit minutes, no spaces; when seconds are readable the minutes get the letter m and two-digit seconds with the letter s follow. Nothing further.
10h05
